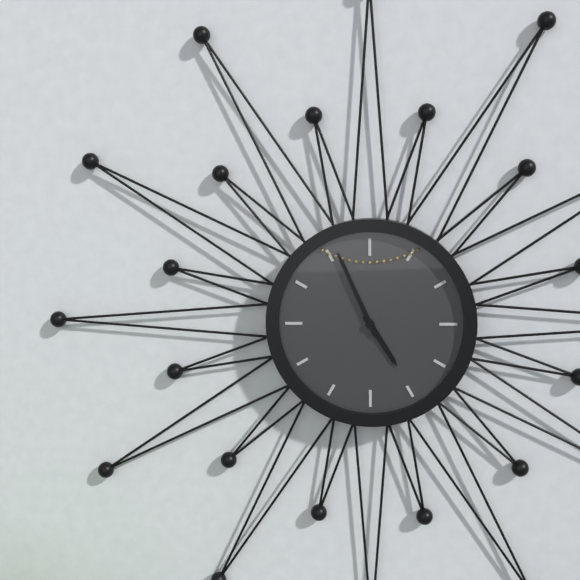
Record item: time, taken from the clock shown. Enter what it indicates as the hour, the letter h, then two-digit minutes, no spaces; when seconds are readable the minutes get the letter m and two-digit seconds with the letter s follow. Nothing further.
4h56
